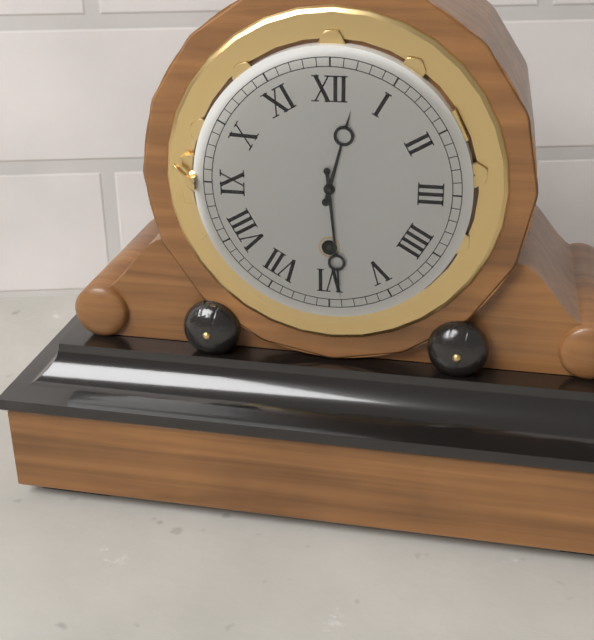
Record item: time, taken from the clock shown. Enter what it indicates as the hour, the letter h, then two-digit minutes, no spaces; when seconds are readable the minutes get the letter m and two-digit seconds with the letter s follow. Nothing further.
12h29
